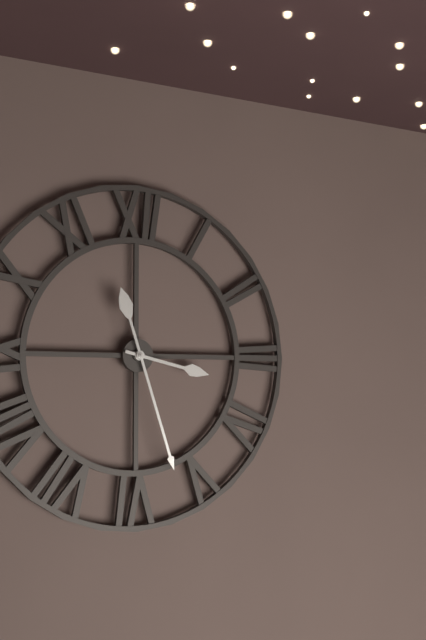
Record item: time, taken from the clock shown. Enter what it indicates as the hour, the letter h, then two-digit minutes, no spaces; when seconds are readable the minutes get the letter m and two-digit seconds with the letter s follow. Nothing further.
3h27
